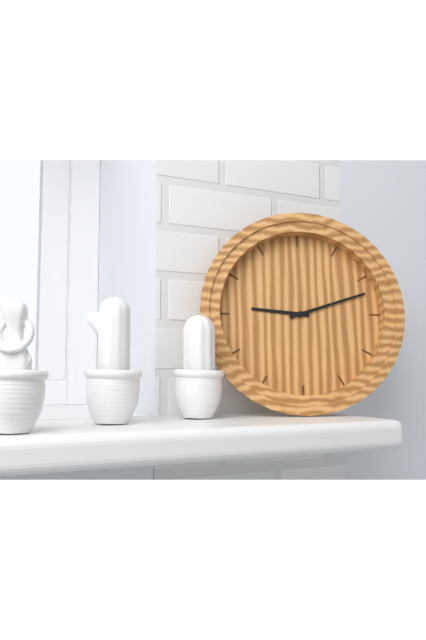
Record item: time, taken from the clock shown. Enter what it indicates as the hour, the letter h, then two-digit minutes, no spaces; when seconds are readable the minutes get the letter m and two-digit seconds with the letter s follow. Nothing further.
9h12
